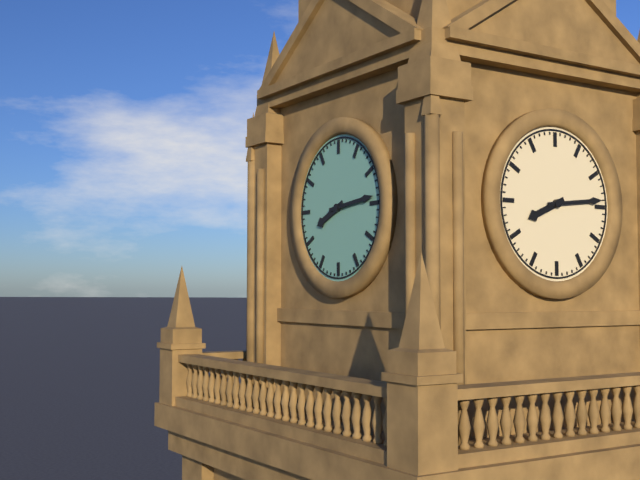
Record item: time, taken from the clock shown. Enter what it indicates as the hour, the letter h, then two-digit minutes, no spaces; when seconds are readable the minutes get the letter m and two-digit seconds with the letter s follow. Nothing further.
8h14
